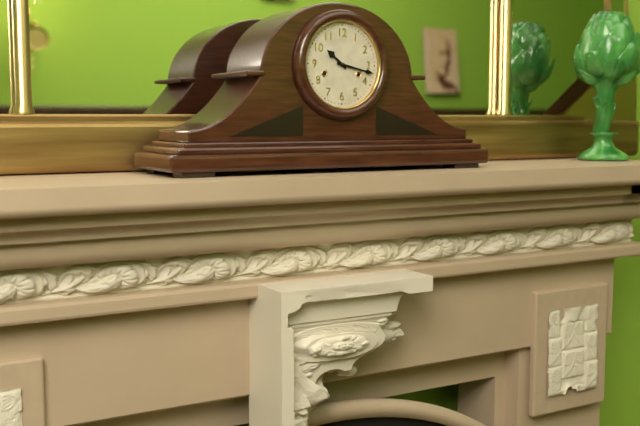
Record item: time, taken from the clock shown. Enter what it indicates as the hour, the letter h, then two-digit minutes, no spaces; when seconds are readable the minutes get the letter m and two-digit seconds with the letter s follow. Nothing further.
10h17
